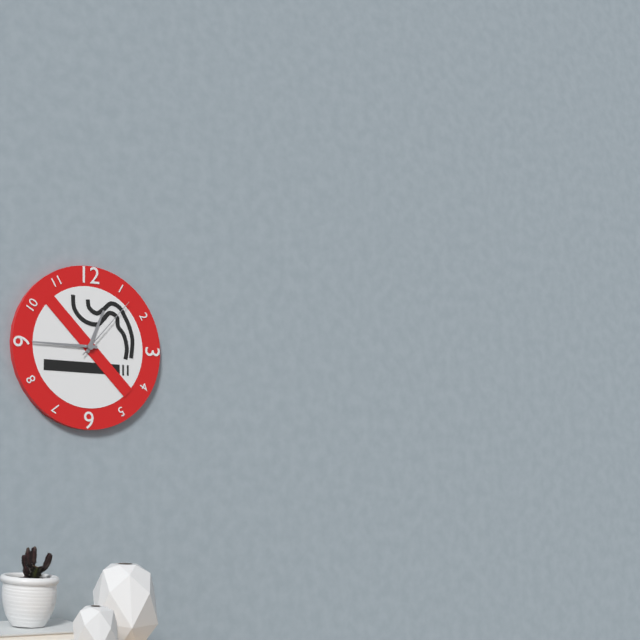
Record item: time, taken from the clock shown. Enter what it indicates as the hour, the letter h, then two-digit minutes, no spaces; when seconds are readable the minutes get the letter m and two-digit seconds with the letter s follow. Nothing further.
12h45m07s
